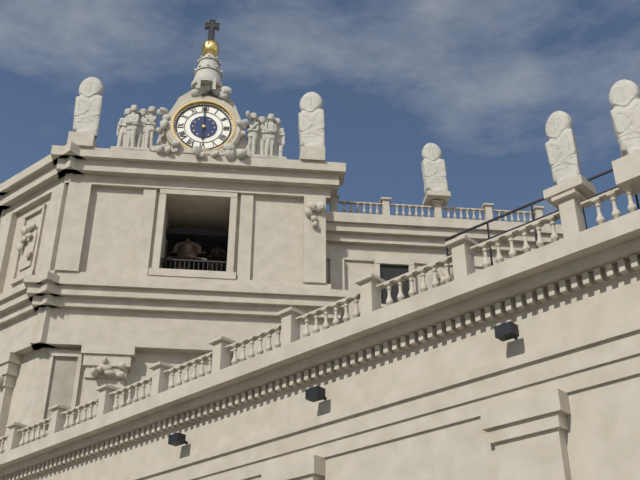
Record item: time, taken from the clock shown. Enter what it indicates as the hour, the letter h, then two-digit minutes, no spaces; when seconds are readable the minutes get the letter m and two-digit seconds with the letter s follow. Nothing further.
6h00
